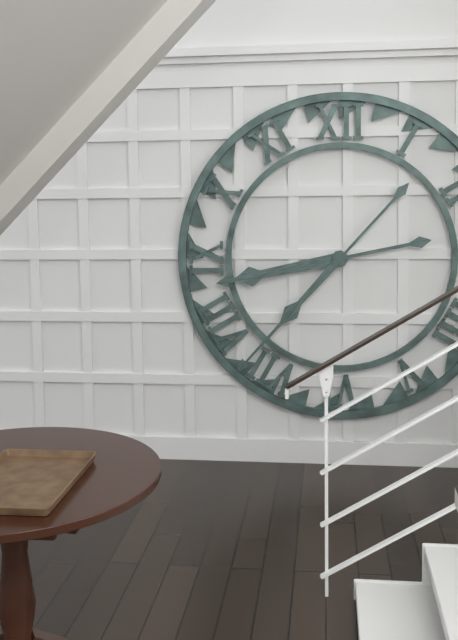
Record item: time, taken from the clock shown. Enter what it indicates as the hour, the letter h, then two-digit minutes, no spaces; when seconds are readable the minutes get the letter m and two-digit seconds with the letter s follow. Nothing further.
8h37
